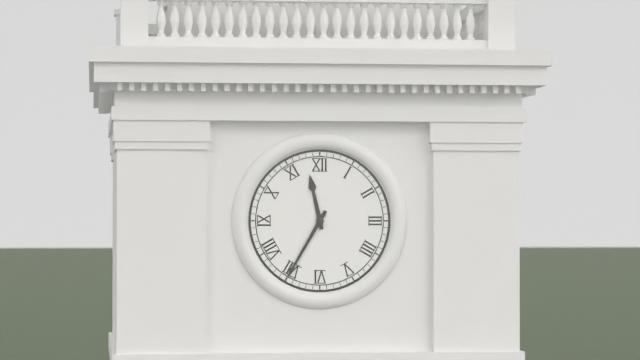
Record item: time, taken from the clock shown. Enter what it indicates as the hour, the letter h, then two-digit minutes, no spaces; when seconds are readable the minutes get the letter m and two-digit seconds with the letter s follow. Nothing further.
11h35
